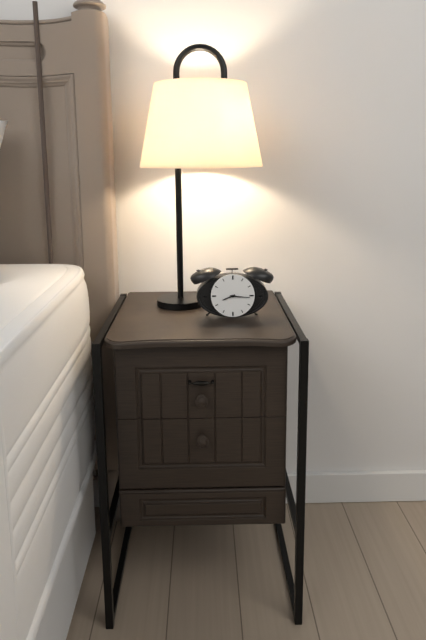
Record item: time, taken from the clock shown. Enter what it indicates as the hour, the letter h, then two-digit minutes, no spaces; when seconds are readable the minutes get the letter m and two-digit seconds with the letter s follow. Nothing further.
8h16
